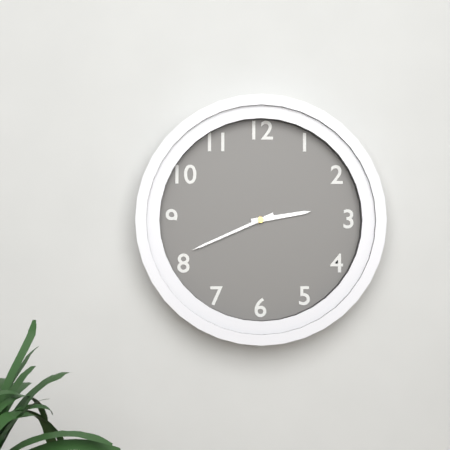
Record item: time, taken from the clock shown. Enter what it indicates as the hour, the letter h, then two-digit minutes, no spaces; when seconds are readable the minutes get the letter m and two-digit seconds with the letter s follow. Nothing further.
2h41
